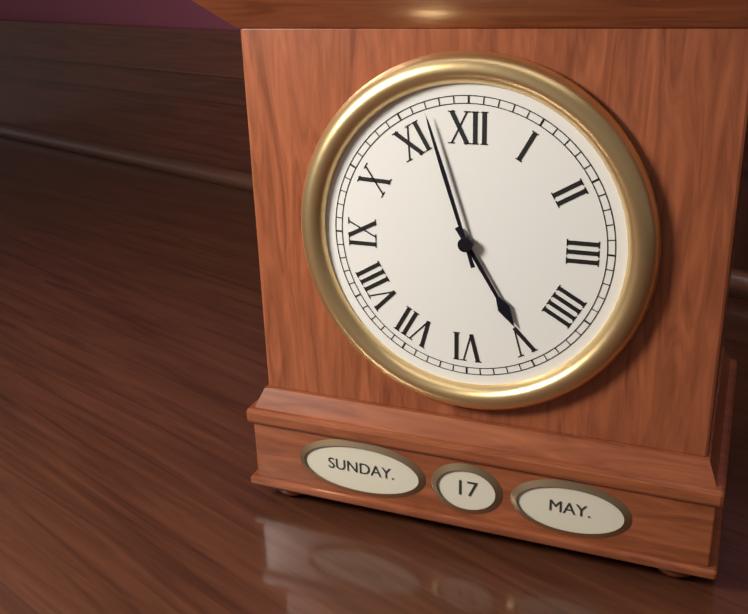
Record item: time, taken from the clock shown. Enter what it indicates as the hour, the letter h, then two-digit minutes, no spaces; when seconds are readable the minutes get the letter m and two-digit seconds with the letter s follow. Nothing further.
4h57
